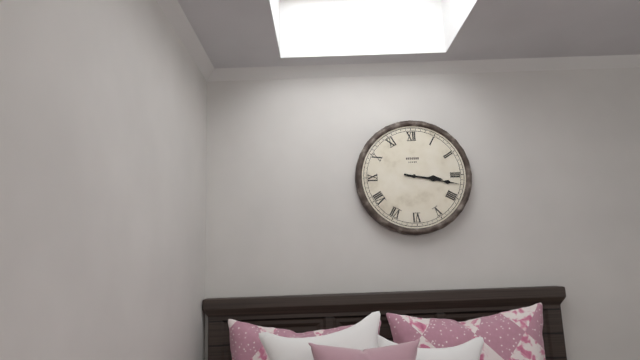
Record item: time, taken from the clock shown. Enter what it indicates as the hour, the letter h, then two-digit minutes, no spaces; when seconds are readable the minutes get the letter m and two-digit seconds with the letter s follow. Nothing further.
3h17
